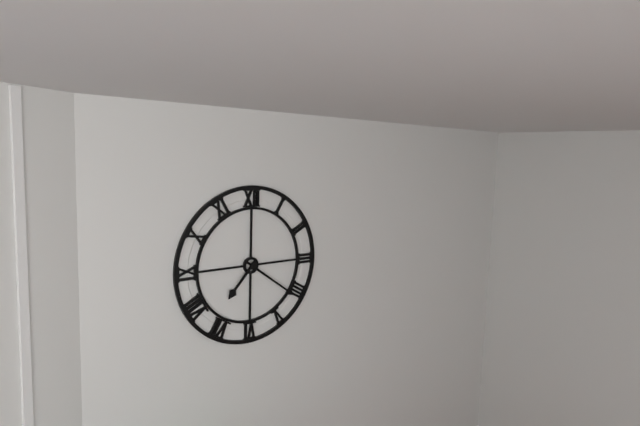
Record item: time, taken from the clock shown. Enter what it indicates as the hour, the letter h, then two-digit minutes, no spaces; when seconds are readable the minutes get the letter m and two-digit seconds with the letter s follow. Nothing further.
7h21
